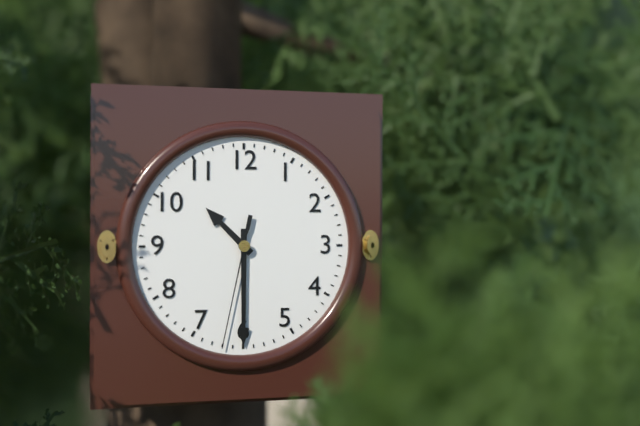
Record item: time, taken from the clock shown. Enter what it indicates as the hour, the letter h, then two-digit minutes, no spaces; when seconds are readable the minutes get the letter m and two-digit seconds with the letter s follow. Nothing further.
10h30m32s
